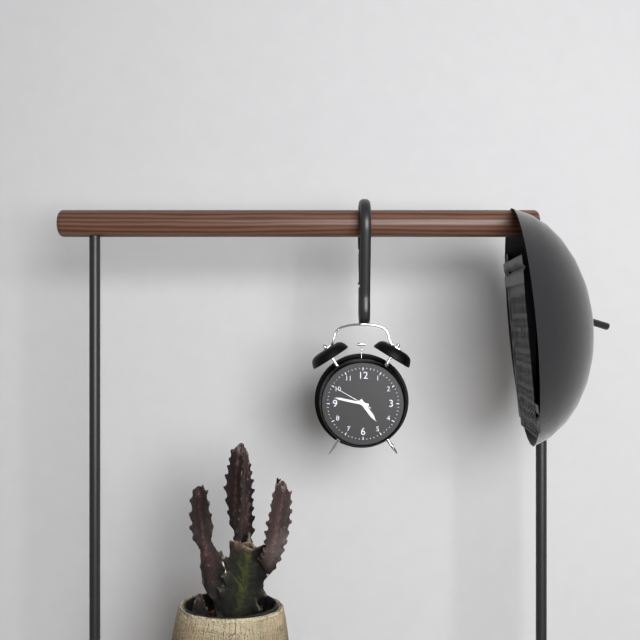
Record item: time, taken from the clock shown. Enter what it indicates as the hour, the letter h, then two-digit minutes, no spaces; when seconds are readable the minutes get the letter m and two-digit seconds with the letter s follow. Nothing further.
4h47
